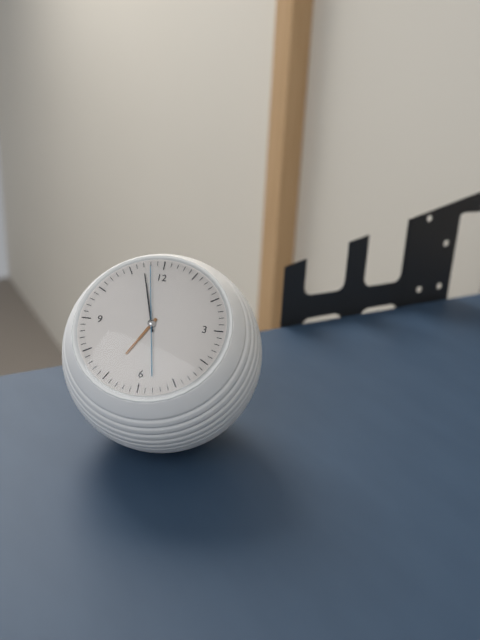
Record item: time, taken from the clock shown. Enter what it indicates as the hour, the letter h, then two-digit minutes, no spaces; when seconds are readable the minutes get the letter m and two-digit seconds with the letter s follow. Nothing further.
6h57m58s
